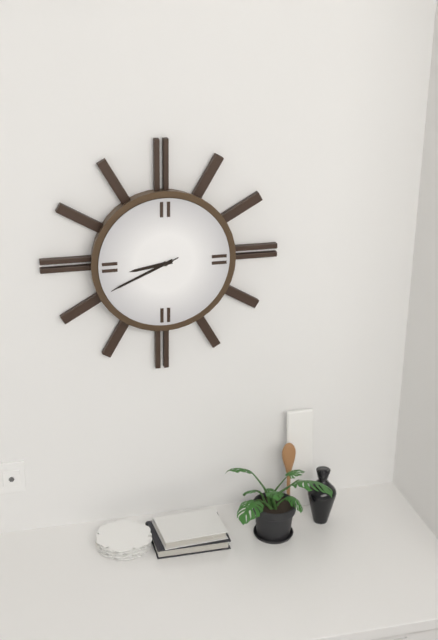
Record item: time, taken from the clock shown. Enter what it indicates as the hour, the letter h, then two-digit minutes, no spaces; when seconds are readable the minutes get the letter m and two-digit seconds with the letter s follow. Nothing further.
8h41m41s
